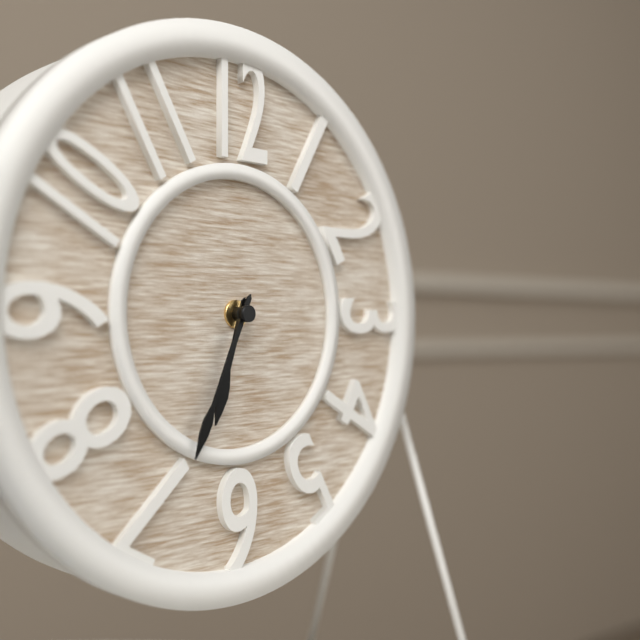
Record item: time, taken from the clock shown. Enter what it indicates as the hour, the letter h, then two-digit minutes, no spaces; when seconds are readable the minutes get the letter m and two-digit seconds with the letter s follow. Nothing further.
6h34
